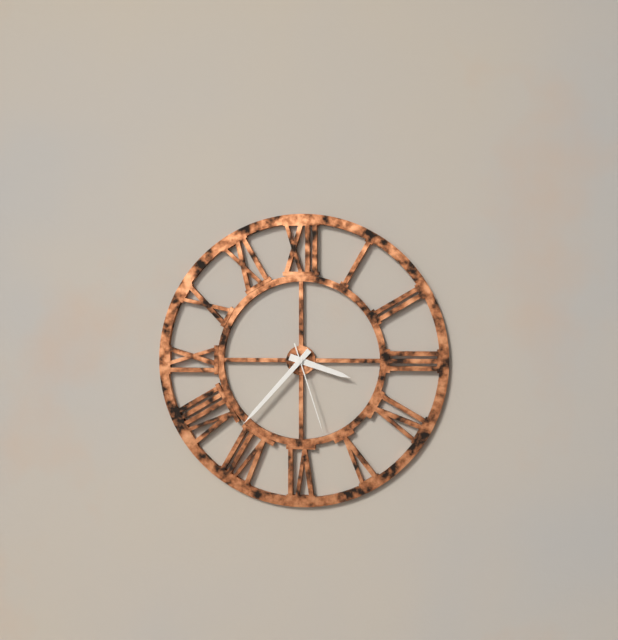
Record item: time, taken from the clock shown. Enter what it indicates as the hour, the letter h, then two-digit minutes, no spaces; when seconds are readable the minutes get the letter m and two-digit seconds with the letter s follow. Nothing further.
3h37m27s
